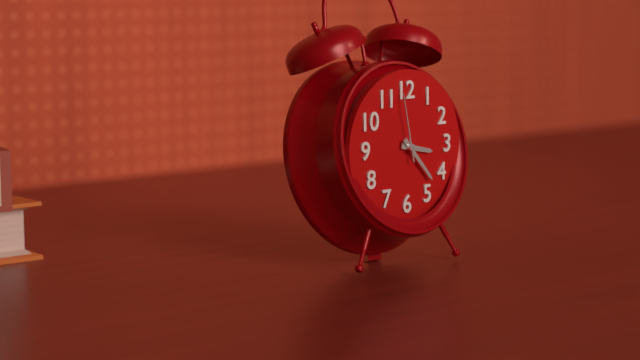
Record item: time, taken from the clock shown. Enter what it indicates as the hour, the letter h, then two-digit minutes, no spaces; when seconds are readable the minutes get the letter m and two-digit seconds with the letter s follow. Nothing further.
3h23m58s
